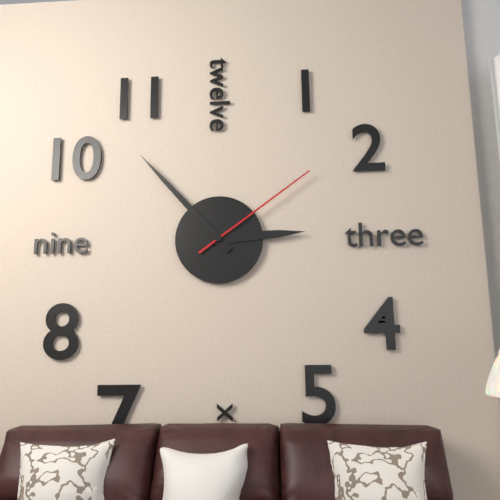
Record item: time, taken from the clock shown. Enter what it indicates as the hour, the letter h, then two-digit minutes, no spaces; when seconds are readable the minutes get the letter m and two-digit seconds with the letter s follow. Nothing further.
2h53m09s
